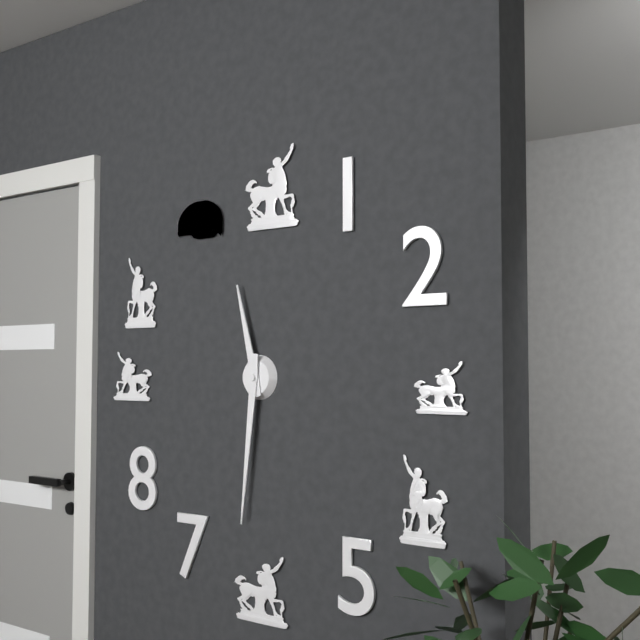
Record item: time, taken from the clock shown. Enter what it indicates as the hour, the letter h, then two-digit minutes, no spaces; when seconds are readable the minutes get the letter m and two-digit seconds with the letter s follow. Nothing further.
11h31
